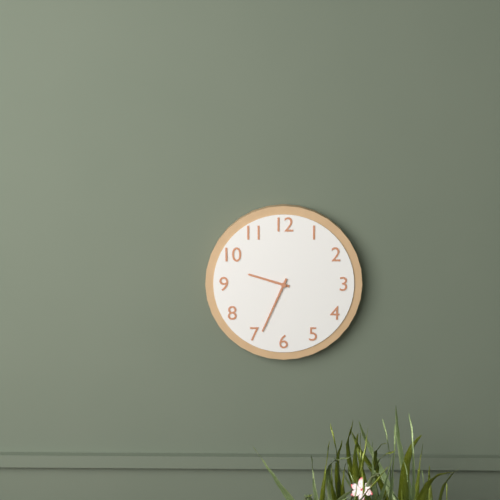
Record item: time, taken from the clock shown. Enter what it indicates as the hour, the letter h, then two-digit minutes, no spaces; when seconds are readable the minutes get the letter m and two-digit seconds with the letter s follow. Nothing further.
9h34
